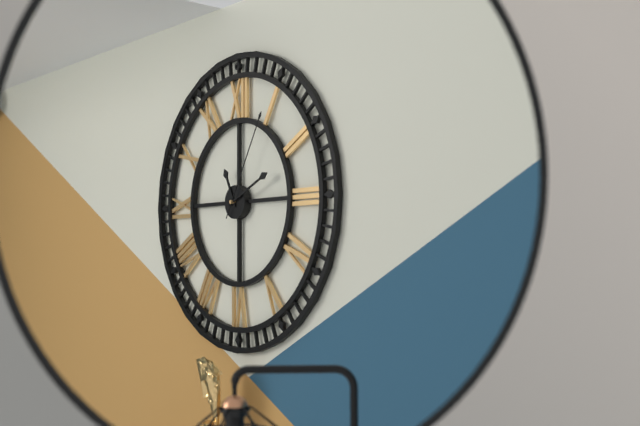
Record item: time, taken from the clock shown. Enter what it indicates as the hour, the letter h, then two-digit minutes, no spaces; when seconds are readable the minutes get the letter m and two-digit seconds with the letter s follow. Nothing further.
11h11m05s
